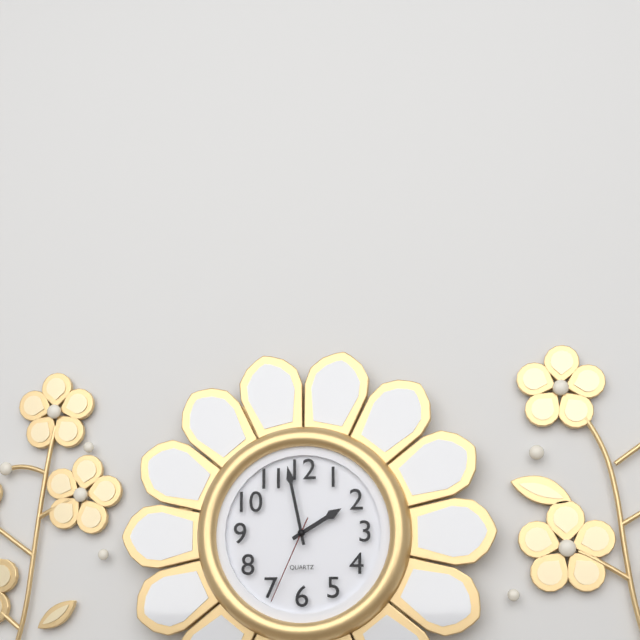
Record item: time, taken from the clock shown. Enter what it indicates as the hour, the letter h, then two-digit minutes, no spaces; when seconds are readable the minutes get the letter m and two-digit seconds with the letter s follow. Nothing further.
1h58m34s
